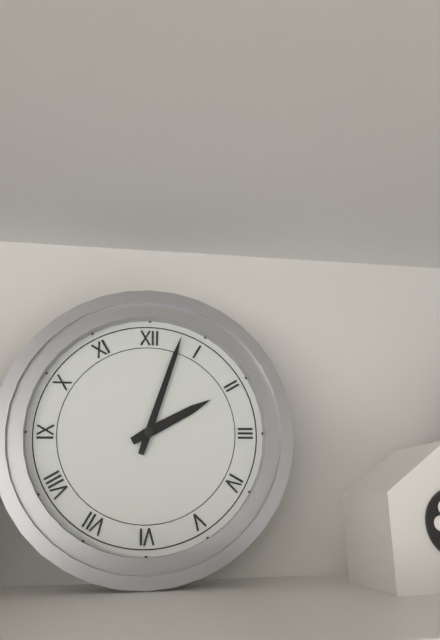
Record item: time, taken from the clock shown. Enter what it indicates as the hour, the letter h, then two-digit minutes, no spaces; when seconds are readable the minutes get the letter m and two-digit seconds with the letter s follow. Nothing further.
2h03
